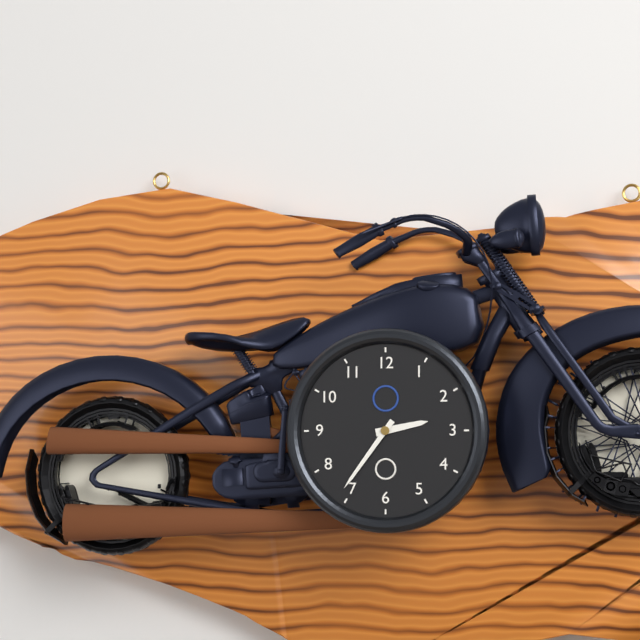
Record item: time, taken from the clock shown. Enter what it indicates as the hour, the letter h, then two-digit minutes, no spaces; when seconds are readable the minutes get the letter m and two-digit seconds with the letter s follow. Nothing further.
2h36
